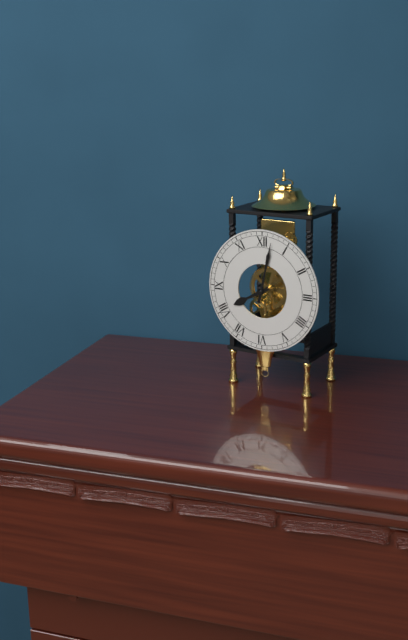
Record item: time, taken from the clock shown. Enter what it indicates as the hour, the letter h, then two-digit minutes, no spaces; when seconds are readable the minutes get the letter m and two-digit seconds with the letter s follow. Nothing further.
8h02
